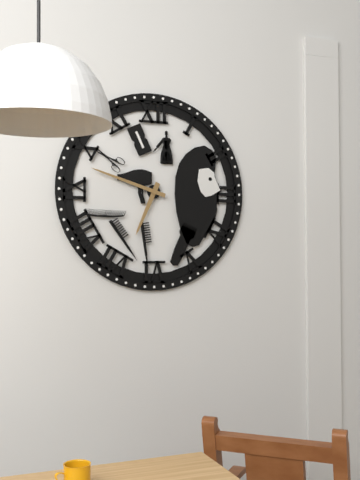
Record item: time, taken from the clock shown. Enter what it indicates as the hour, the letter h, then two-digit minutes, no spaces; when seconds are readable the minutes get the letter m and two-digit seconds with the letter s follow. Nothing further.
6h48
